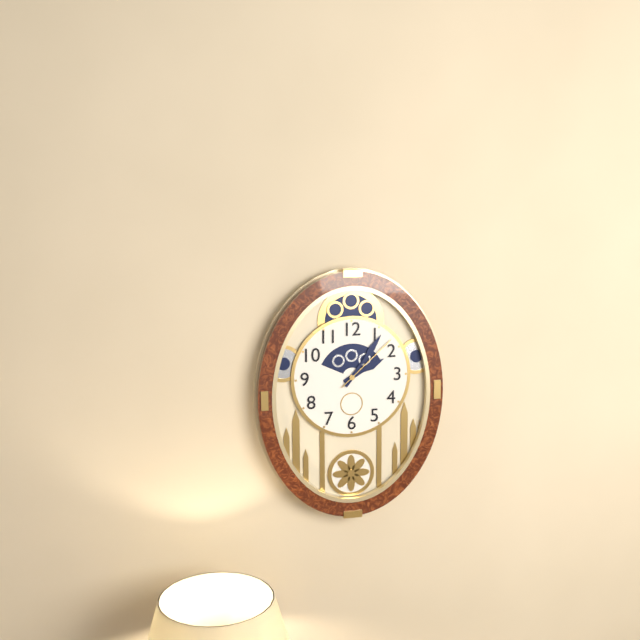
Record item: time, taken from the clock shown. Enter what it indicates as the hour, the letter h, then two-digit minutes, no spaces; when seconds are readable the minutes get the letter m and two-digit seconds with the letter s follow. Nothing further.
2h06m08s
